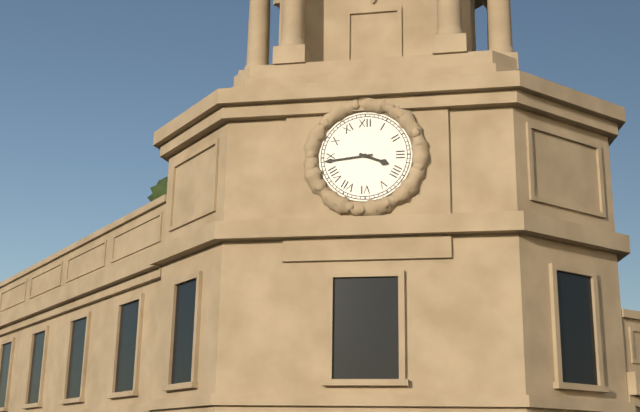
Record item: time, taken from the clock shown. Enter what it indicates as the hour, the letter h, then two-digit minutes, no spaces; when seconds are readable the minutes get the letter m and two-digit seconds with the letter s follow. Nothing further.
3h44
